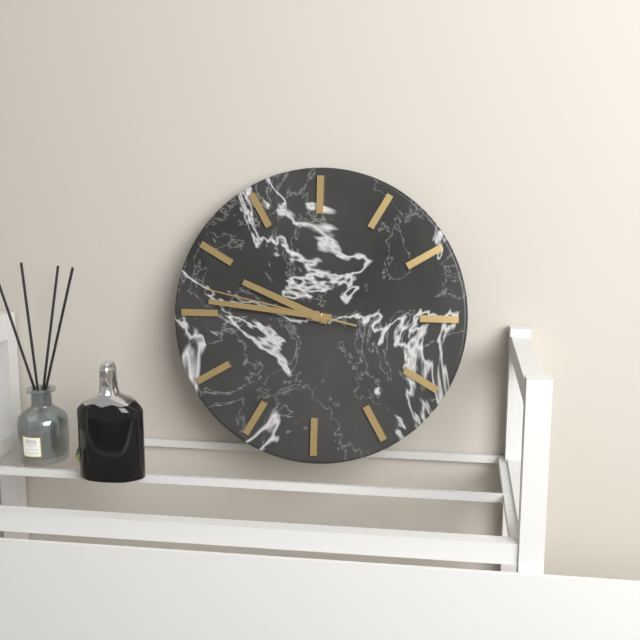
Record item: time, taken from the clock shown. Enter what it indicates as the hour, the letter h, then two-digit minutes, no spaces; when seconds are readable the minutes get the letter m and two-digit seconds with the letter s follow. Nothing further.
9h46m47s
